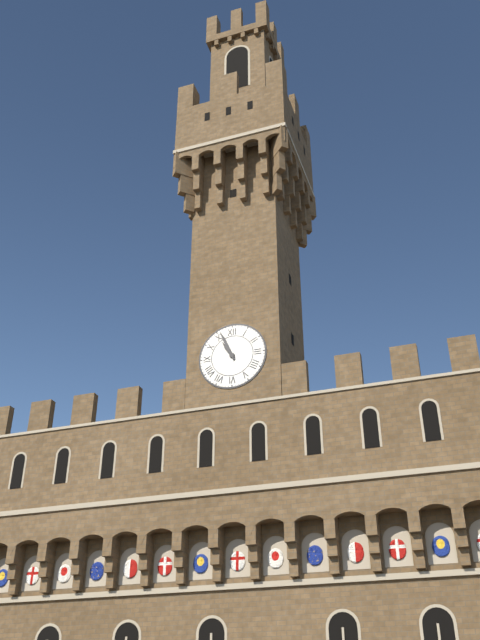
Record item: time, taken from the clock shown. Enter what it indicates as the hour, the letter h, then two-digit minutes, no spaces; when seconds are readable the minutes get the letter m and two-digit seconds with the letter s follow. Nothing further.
10h56
